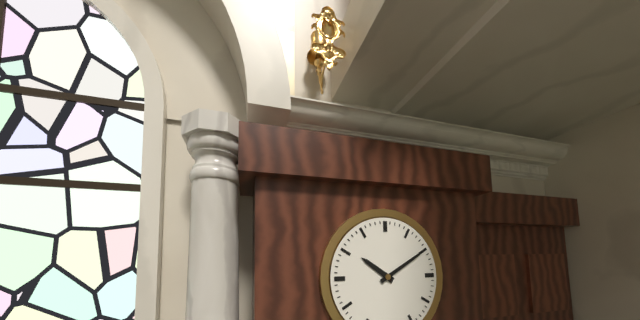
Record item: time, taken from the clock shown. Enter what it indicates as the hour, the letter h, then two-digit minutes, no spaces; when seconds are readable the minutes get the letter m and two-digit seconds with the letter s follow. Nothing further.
10h10
